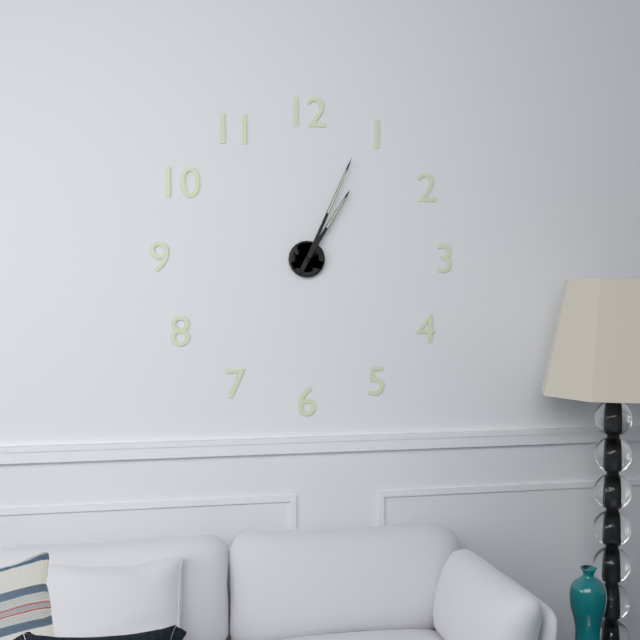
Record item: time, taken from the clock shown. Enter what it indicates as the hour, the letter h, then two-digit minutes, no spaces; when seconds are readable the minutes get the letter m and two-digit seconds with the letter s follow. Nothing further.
1h04
